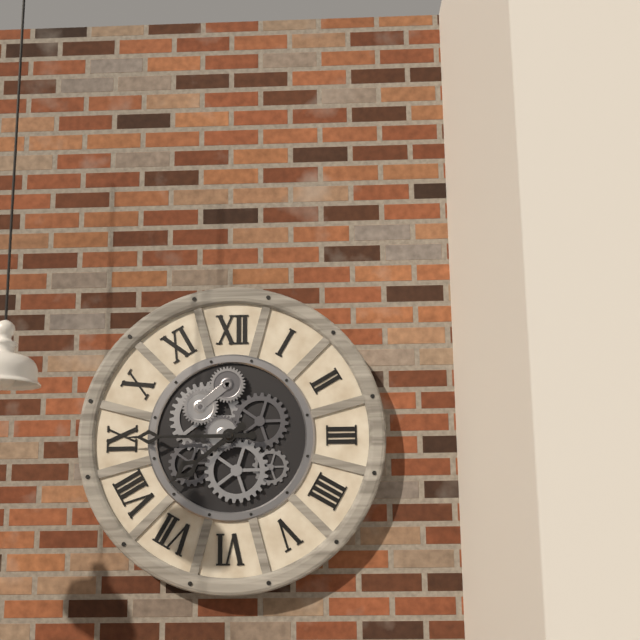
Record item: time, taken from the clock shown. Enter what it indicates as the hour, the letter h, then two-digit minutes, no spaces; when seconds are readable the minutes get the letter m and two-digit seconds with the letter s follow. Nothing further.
7h45
